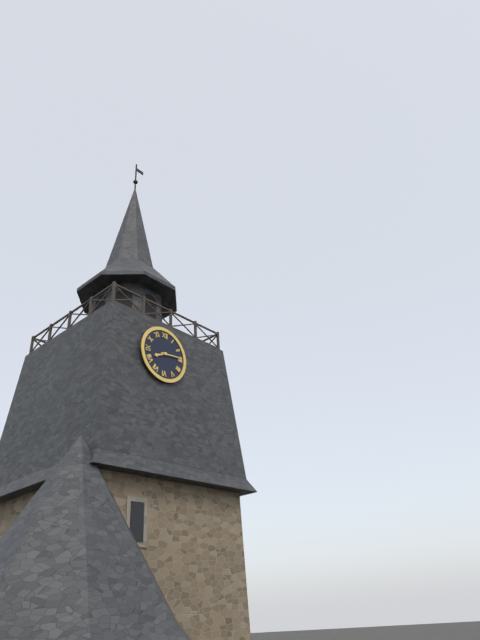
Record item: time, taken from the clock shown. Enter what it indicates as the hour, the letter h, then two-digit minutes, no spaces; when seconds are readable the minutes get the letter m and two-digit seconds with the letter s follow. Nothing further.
8h14
